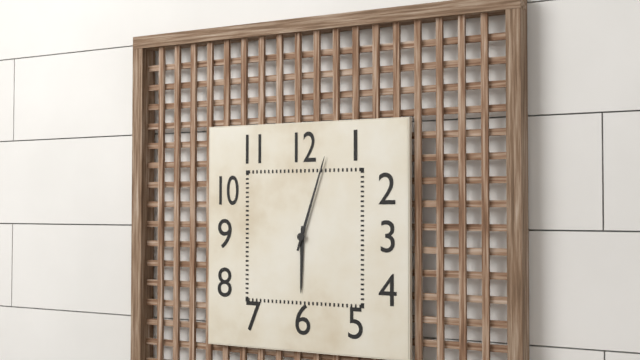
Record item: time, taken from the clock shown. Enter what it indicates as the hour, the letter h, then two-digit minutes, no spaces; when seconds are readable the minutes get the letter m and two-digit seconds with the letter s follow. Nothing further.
6h03
